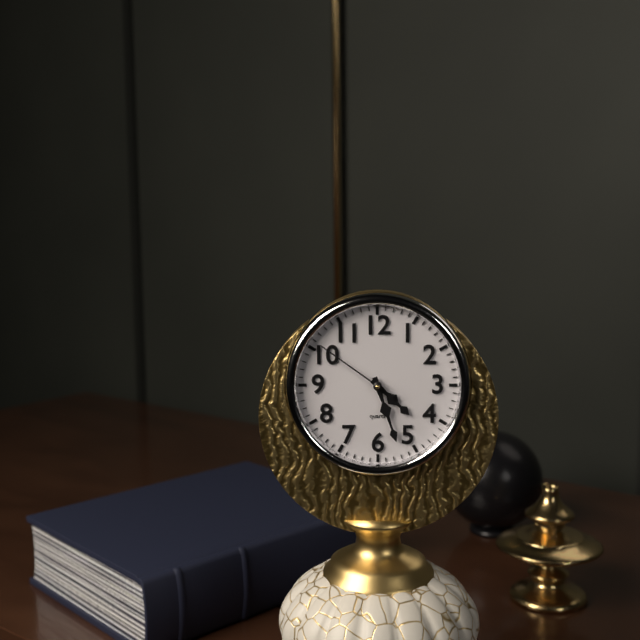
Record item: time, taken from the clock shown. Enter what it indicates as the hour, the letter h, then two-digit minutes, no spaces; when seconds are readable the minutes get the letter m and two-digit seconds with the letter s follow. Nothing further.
4h27m51s
